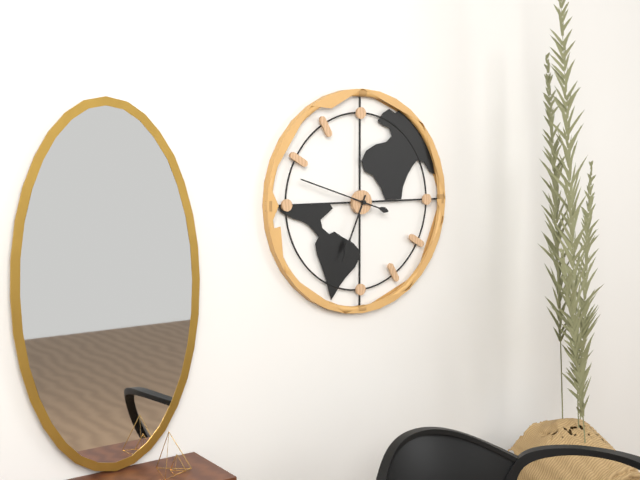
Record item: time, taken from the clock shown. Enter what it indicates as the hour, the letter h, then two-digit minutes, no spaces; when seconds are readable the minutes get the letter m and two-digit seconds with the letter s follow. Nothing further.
6h48
